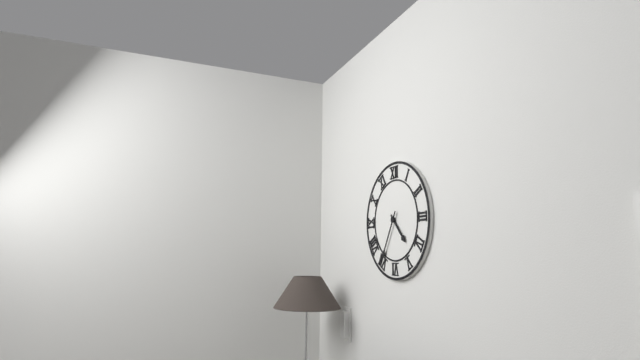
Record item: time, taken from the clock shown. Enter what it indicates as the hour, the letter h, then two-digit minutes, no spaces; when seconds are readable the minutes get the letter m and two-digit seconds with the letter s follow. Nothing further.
4h35
